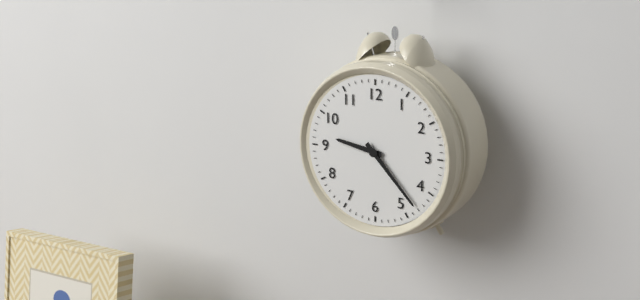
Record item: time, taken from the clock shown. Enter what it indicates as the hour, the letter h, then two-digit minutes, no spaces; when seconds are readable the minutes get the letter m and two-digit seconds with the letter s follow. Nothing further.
9h23
